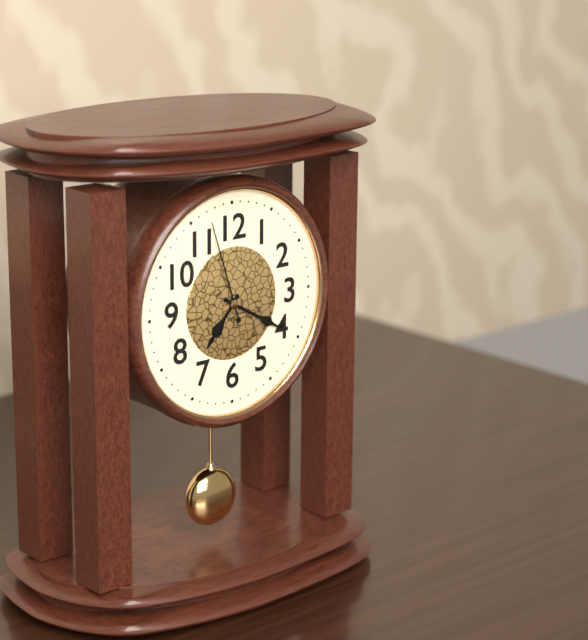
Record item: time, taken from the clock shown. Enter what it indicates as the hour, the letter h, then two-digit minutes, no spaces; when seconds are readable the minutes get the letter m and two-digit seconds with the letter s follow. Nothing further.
7h20m57s
